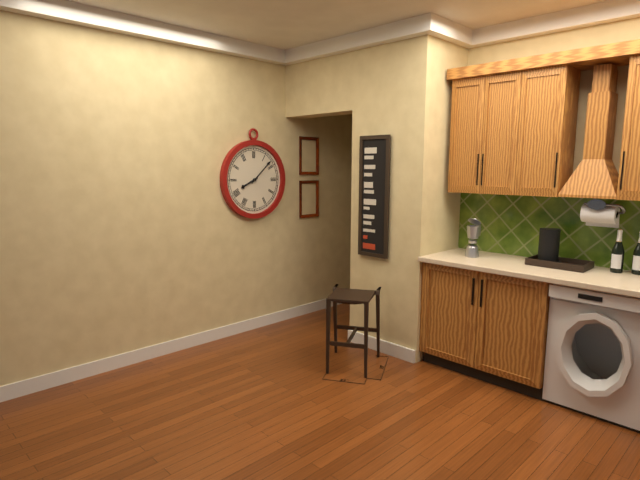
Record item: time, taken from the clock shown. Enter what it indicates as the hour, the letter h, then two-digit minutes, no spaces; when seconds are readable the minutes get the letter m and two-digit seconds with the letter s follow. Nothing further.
8h08
